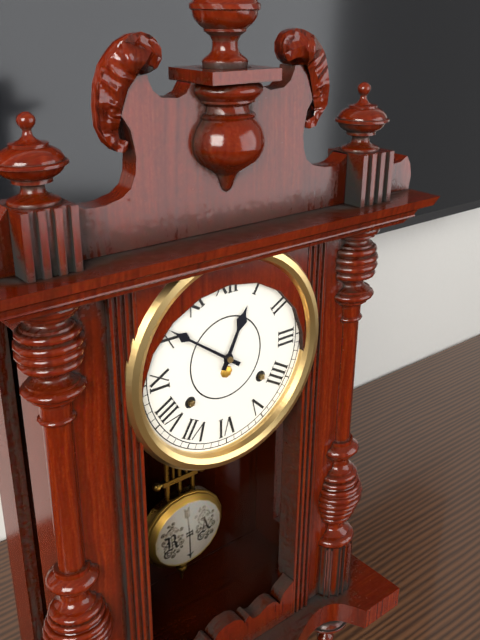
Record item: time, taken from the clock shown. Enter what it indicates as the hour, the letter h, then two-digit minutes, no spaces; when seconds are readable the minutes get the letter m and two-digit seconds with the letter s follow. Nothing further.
12h51
